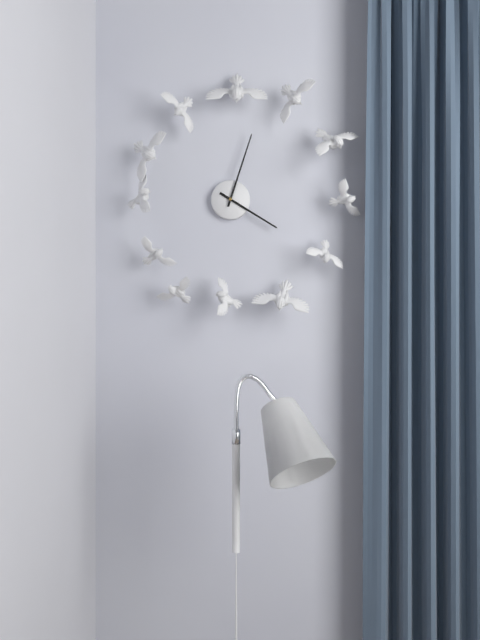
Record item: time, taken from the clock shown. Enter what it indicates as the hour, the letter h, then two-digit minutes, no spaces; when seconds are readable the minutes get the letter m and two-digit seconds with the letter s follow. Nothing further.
4h03
